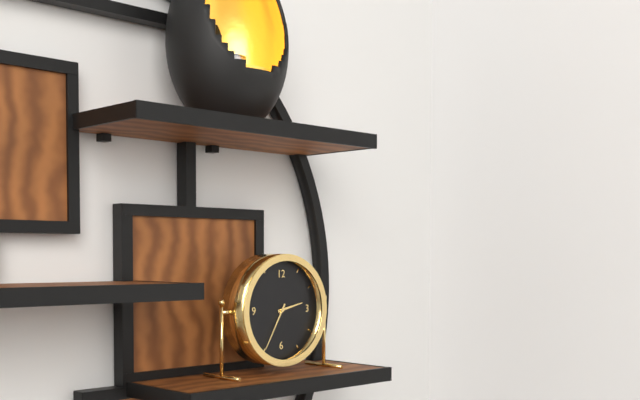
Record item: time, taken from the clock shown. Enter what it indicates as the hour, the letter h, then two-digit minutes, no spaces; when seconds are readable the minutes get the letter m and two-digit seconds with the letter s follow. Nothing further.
2h35
